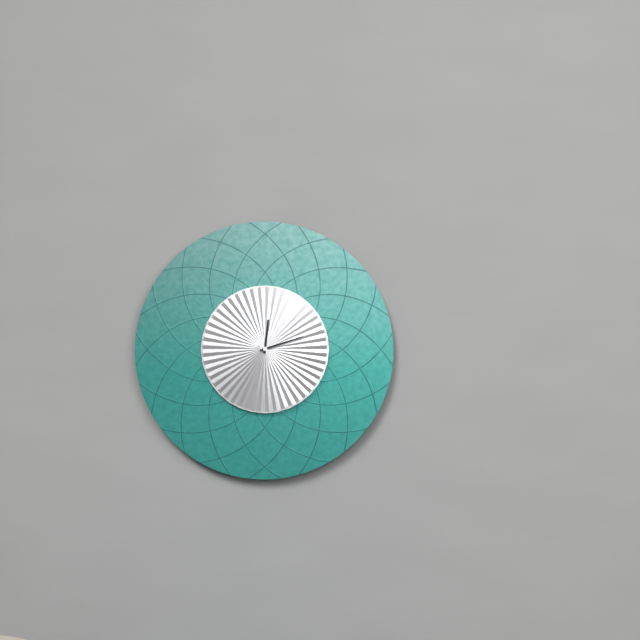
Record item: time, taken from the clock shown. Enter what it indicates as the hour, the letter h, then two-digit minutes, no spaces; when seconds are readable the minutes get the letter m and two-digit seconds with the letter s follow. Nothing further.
12h12
